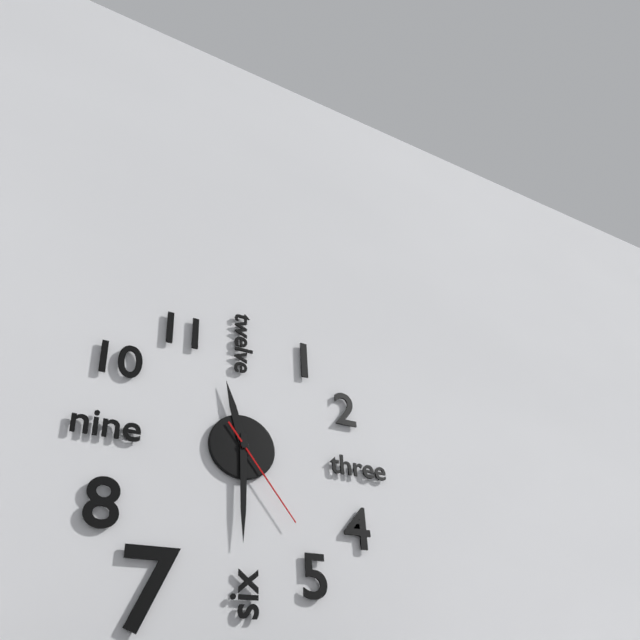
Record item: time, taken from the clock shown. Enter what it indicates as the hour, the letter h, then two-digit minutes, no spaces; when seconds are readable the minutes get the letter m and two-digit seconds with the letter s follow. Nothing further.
11h30m24s
